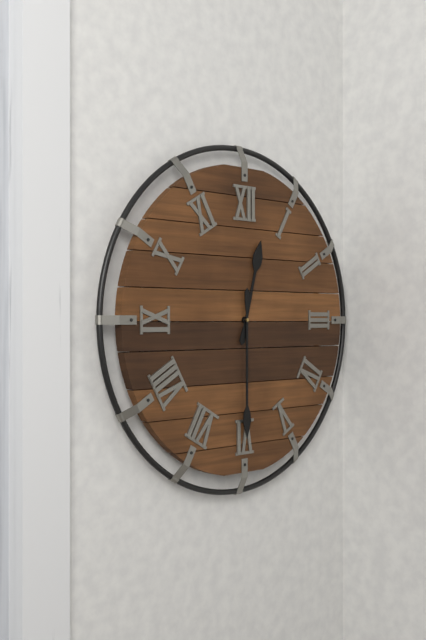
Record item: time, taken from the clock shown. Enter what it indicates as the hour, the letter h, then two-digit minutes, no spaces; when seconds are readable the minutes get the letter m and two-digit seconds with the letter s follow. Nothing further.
12h30
